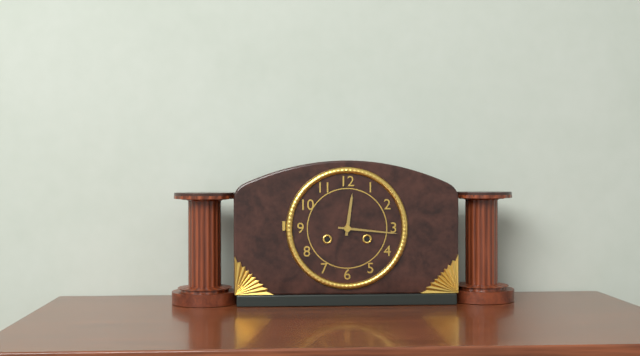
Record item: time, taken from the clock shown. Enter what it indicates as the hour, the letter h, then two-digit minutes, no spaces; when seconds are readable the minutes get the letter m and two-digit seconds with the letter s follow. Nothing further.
12h16
